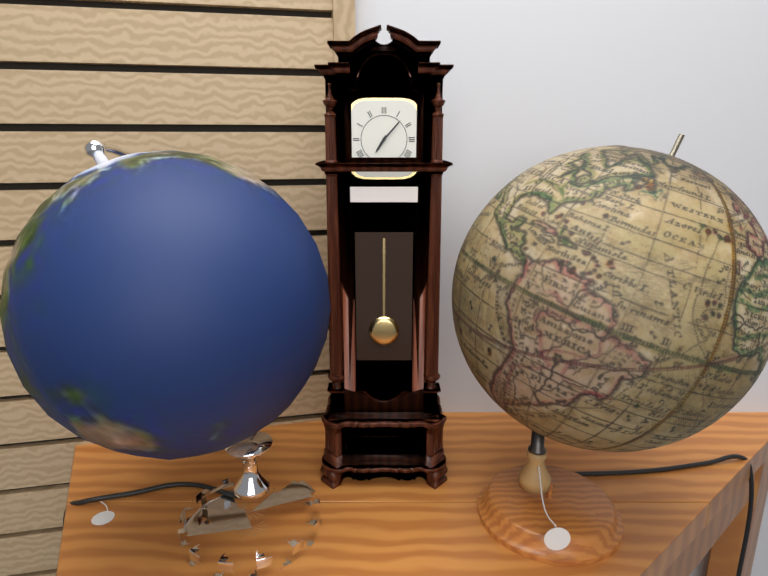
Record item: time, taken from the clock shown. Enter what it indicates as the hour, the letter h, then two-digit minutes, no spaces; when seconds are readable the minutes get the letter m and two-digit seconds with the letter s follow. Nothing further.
7h07
